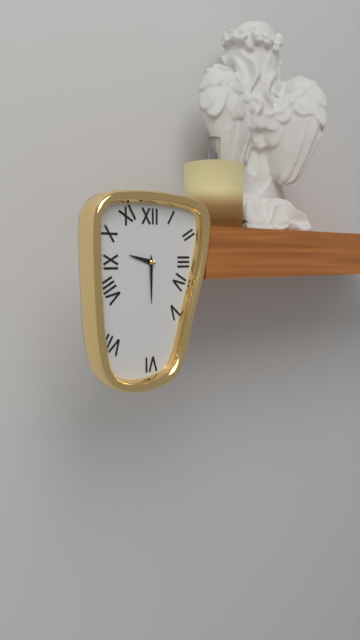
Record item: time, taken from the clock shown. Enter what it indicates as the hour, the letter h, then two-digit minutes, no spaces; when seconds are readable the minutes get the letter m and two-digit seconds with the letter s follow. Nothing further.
9h30
